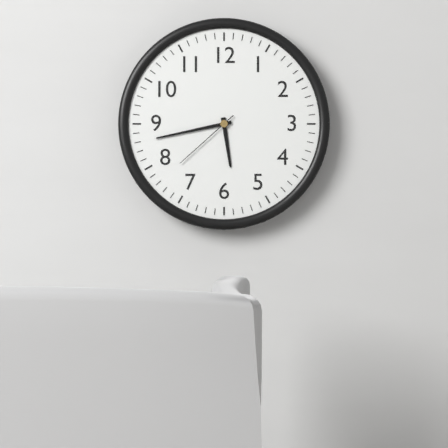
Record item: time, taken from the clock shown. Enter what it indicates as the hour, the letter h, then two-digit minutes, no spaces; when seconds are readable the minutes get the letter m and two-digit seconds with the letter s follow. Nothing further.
5h43m38s
